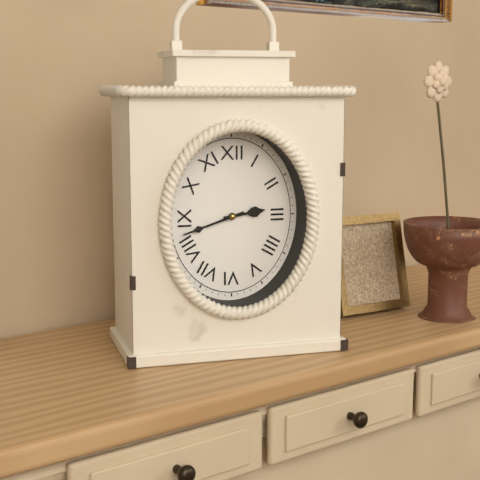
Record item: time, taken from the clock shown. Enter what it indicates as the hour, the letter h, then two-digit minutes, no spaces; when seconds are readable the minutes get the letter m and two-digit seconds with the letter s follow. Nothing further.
2h42
